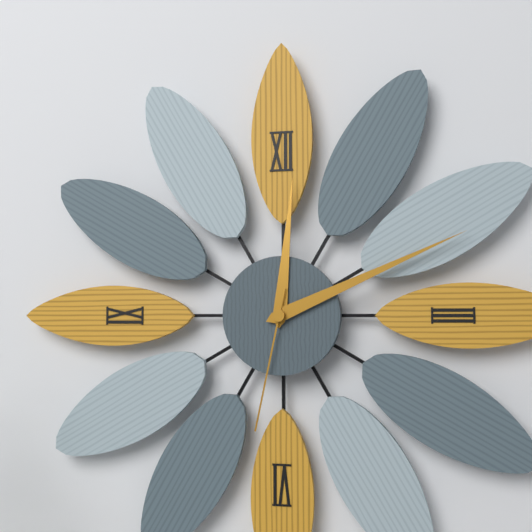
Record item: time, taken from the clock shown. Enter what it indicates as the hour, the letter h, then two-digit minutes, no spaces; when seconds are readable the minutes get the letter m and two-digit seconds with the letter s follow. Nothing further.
12h11m32s
